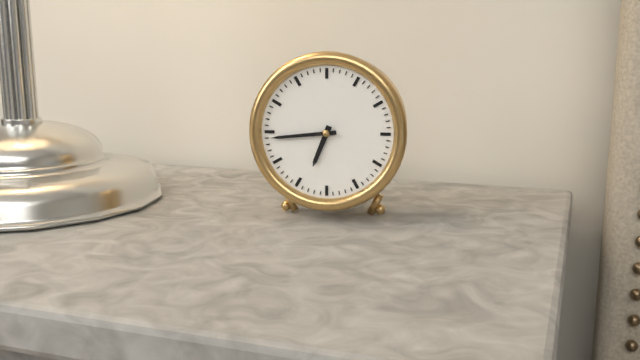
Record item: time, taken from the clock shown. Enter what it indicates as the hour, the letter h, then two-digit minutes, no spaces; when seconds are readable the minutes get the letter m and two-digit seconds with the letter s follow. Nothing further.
6h44
